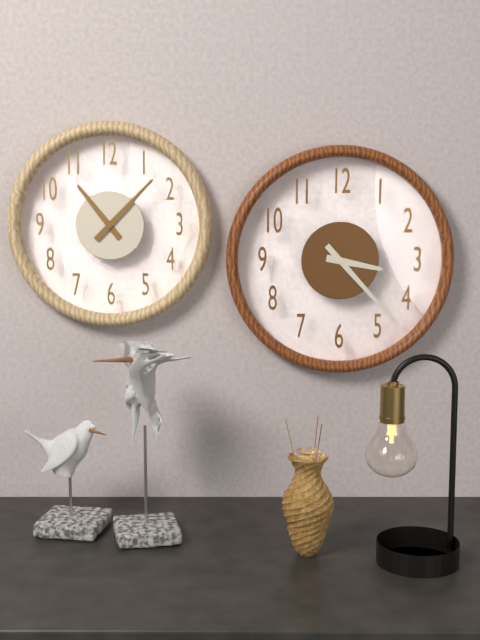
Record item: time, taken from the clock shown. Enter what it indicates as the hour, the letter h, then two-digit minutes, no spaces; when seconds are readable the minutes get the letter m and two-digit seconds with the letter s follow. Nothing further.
3h23
